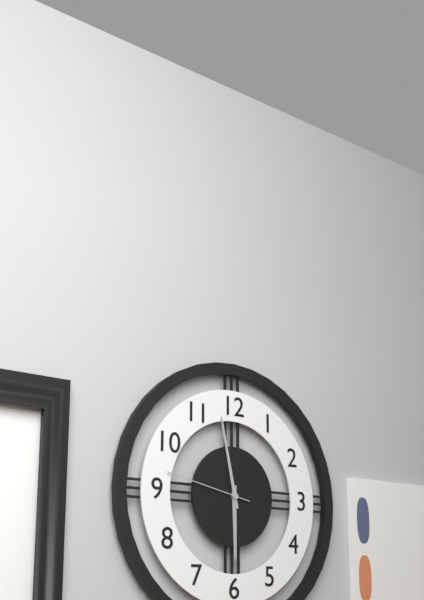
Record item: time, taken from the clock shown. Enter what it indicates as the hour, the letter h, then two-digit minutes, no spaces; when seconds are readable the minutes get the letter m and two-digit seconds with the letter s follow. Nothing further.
5h58m47s
